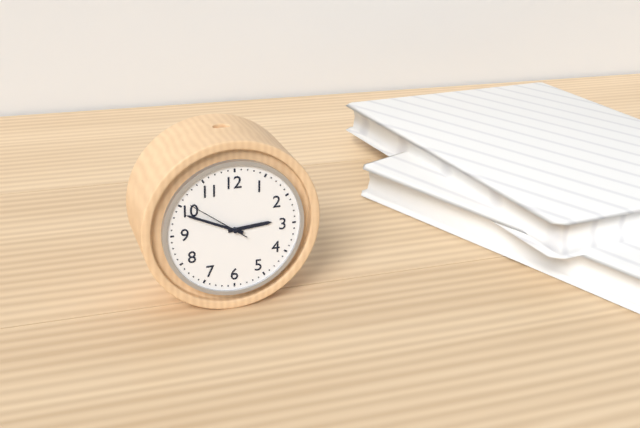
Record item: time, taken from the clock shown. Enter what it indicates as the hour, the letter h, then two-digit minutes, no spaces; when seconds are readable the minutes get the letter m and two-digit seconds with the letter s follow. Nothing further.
2h49m51s
